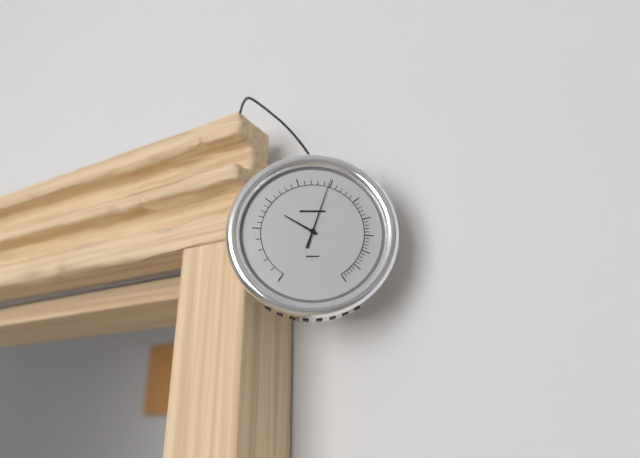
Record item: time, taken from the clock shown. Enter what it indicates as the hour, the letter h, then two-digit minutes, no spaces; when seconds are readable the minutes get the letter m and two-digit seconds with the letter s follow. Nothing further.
10h03
